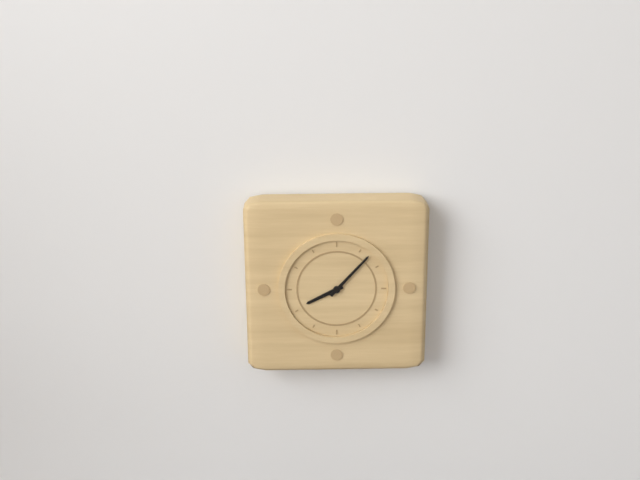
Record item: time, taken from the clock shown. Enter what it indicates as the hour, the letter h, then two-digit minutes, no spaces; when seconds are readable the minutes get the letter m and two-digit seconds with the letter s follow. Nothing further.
8h07
